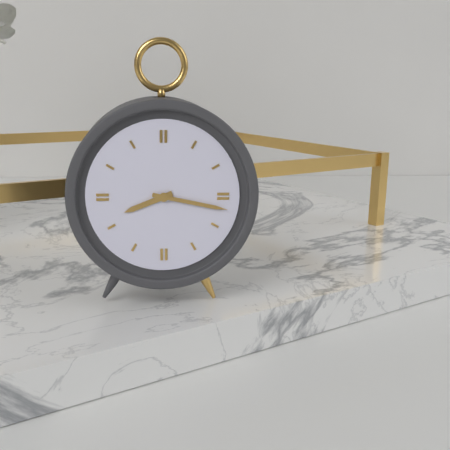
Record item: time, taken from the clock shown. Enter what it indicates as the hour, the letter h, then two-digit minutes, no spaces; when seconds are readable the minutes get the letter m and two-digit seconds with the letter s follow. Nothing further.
8h17
